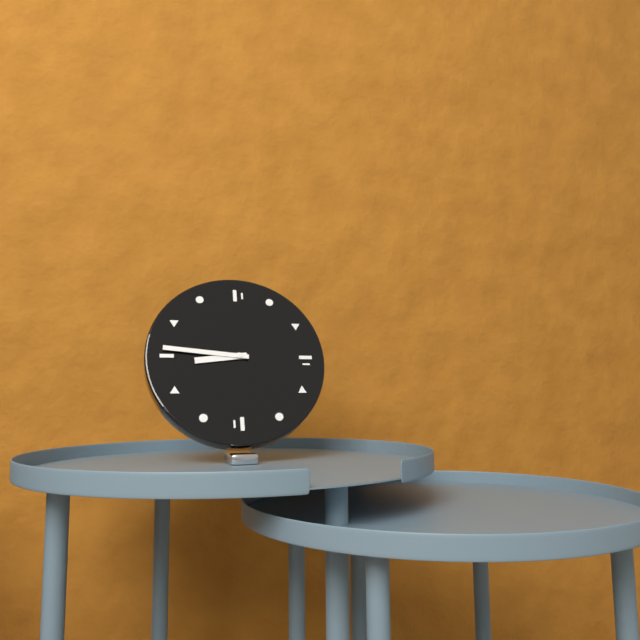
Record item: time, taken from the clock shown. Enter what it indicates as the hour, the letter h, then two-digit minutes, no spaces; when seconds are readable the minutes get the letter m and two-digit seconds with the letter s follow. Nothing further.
8h46
